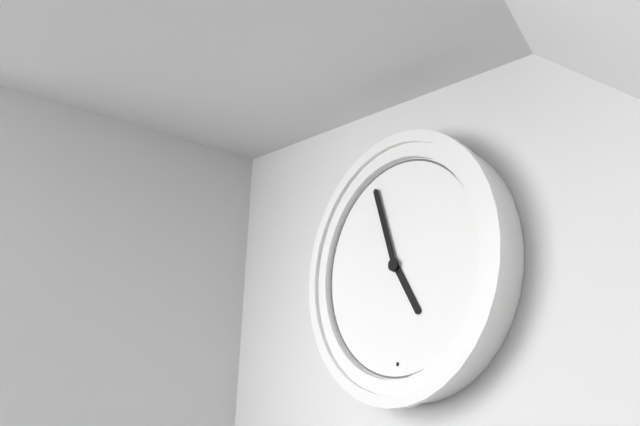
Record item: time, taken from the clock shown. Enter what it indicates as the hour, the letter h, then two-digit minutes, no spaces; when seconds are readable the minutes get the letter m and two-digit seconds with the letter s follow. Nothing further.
4h57
